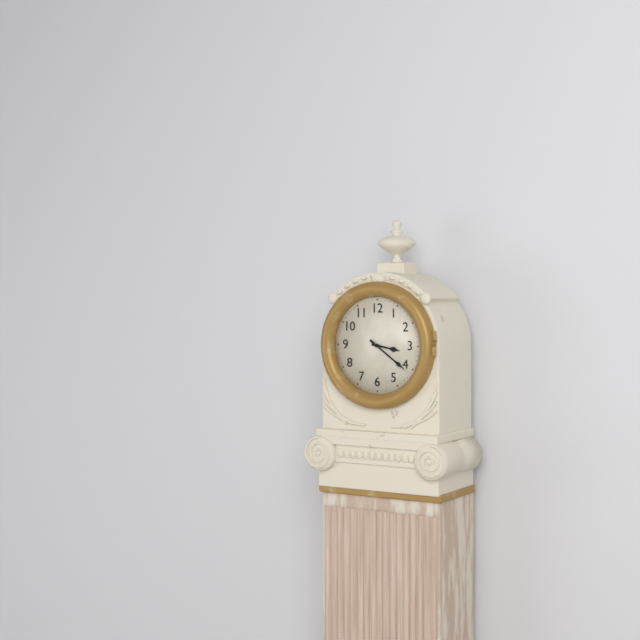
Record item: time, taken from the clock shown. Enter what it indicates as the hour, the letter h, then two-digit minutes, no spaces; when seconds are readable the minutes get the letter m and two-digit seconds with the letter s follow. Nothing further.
3h21
